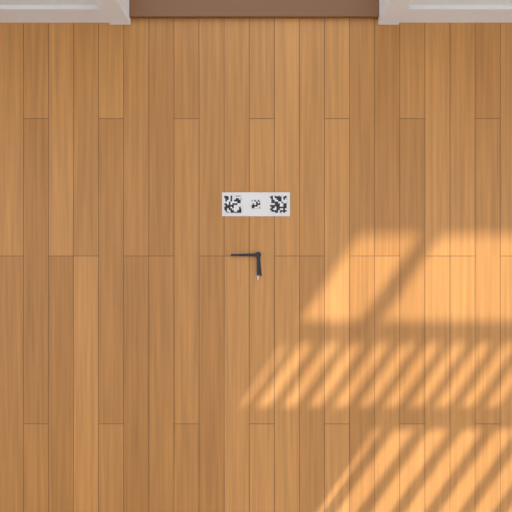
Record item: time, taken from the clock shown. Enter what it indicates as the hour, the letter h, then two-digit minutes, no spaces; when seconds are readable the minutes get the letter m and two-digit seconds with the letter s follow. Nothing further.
5h45
